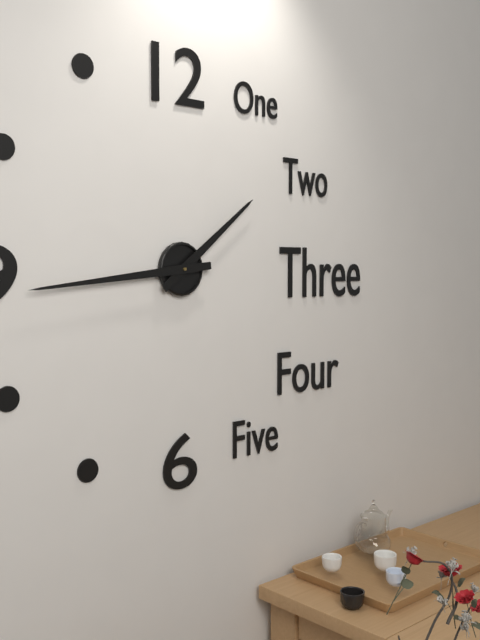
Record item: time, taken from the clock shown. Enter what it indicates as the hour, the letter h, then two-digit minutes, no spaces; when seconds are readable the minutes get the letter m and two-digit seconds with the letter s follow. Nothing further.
1h44
